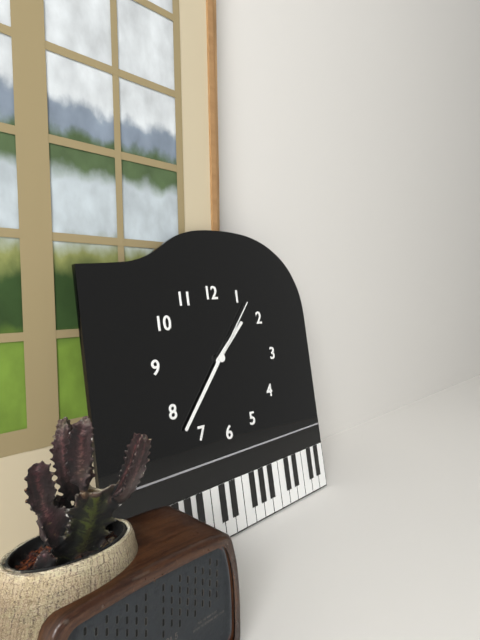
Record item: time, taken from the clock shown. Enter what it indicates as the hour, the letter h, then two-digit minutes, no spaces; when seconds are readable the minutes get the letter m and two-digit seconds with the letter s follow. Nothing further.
1h37m07s
